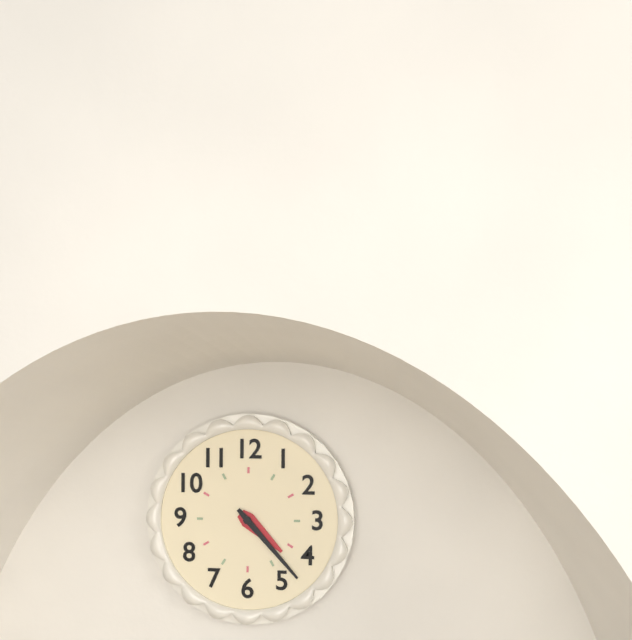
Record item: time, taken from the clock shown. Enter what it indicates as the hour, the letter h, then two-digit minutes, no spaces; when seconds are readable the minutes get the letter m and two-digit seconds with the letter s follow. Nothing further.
4h23
